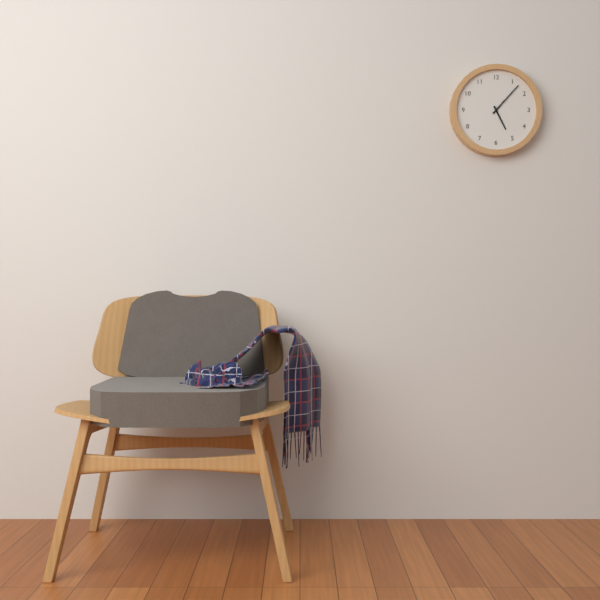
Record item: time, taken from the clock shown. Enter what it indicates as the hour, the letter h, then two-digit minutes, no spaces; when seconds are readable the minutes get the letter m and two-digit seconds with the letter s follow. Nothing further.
5h07
